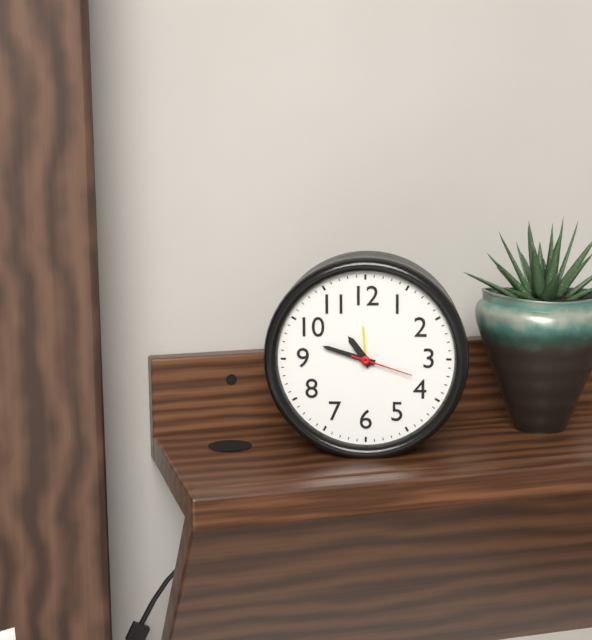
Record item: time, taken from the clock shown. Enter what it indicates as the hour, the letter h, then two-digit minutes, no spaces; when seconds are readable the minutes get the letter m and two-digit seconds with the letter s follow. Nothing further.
10h48m18s
